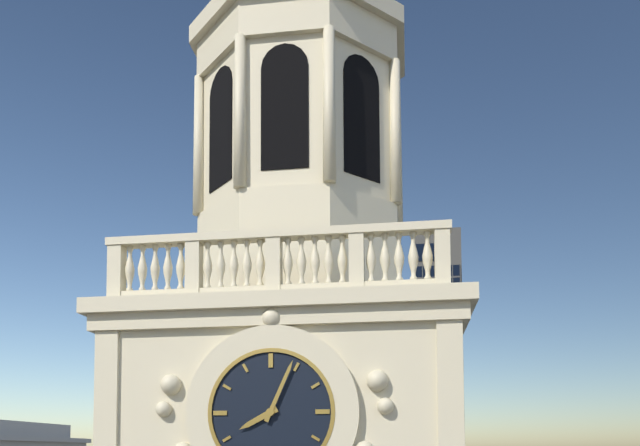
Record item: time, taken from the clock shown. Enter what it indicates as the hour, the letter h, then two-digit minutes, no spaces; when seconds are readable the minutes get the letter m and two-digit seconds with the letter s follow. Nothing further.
8h04
